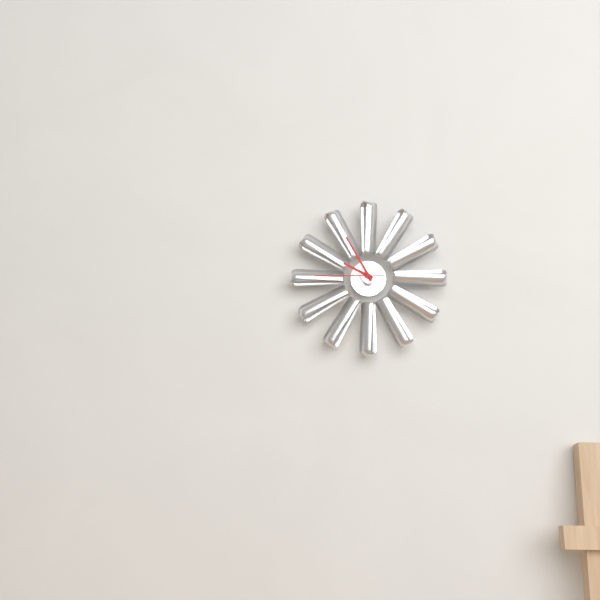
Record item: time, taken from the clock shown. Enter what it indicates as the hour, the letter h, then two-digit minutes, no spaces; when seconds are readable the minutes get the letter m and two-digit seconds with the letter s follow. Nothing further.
9h55m45s
